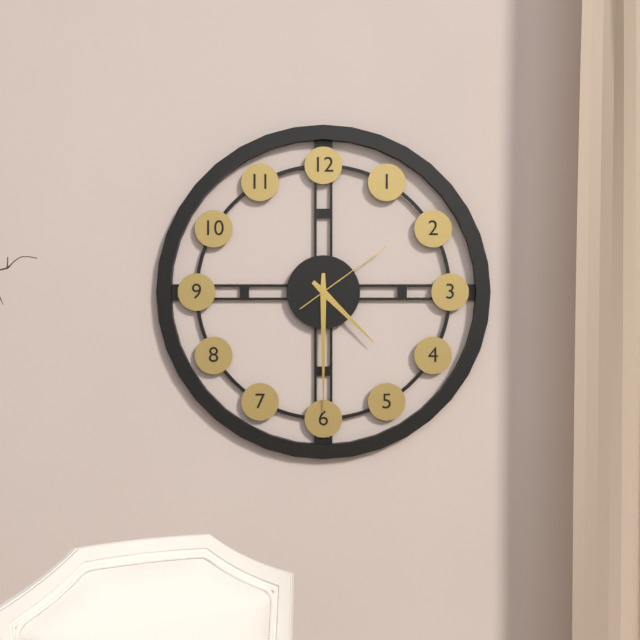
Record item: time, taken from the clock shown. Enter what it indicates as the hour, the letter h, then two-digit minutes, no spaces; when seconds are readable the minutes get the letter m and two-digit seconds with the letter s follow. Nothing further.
4h30m09s
